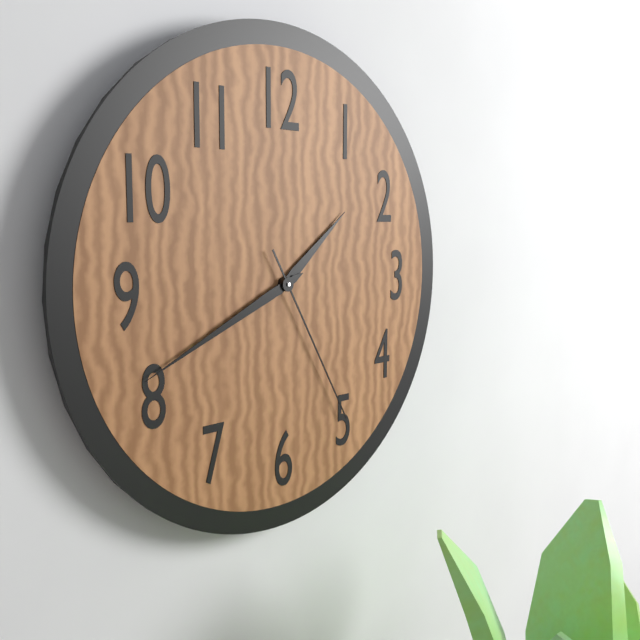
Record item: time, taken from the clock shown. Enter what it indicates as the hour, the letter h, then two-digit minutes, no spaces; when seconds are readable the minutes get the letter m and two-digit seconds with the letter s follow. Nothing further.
1h41m25s
